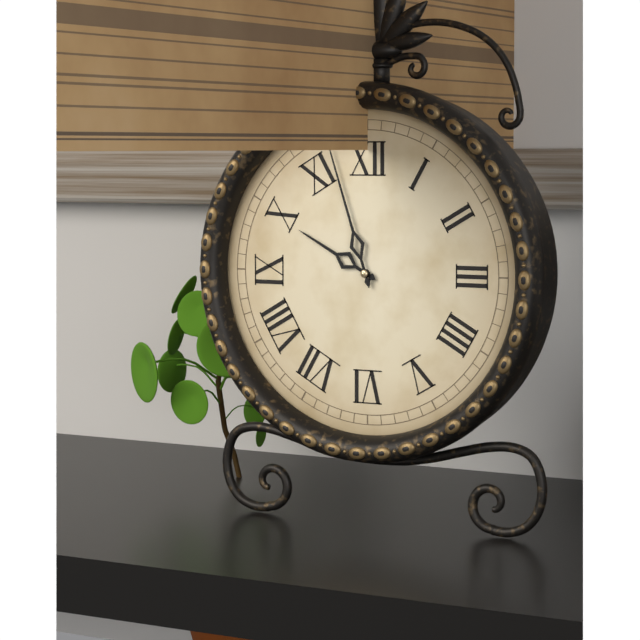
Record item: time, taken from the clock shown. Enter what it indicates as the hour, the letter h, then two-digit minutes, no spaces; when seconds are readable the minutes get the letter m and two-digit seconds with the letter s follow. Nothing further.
9h57
